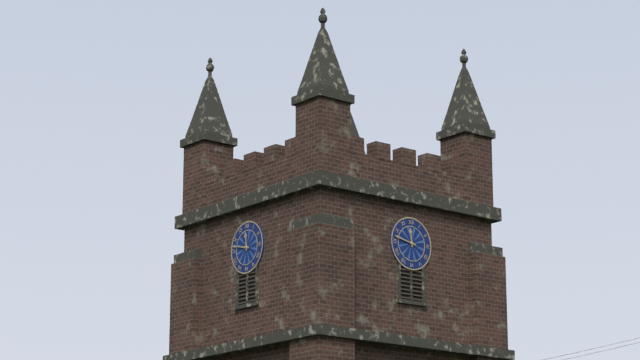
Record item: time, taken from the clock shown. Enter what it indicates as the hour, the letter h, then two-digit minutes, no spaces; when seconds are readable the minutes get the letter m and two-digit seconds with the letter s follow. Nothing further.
11h47
